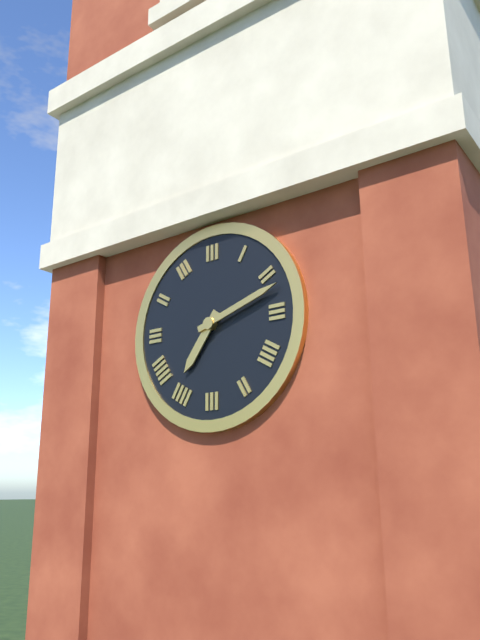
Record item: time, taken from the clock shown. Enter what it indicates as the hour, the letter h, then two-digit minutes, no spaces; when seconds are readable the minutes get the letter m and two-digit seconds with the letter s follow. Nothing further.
7h12
